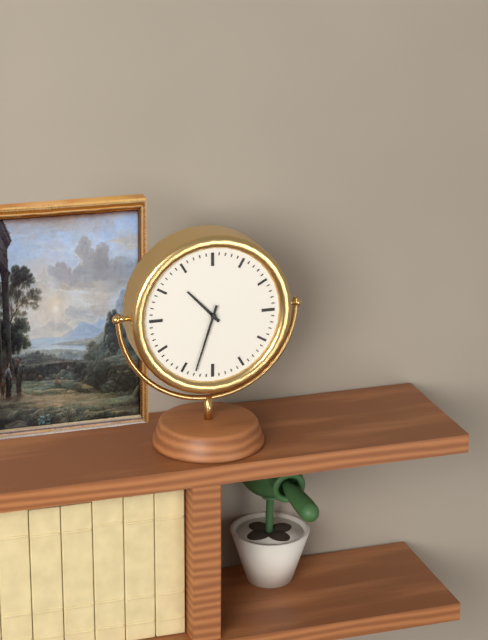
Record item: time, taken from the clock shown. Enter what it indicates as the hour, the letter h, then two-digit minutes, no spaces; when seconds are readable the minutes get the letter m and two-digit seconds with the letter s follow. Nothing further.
10h33
